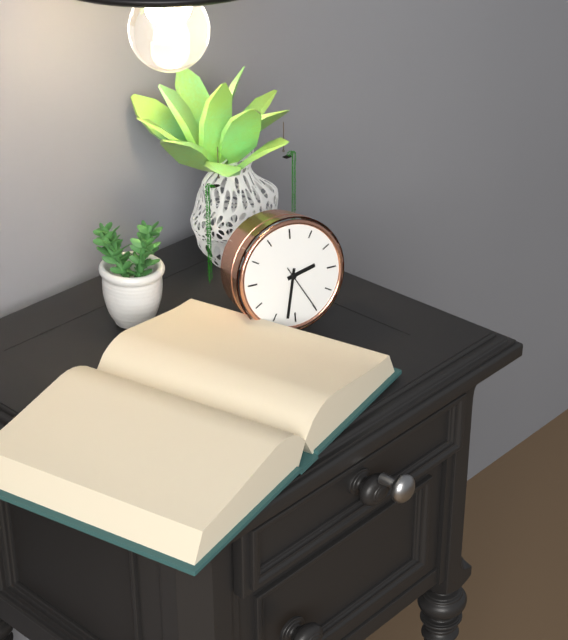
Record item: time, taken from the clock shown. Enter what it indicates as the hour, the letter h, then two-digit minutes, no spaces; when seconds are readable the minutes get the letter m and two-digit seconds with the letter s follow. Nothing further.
2h32
